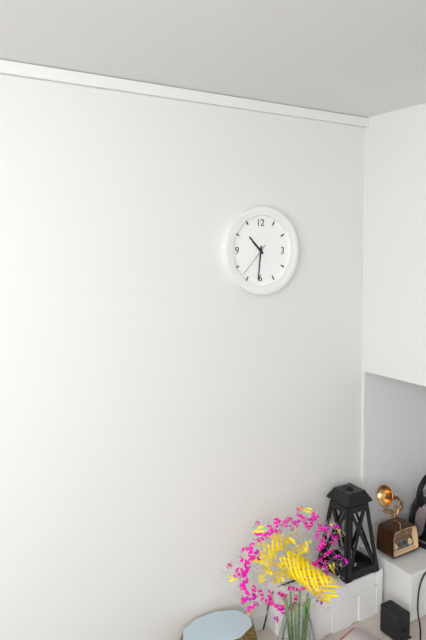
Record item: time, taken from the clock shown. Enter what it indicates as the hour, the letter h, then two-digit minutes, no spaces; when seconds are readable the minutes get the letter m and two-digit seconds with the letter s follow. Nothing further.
10h31
